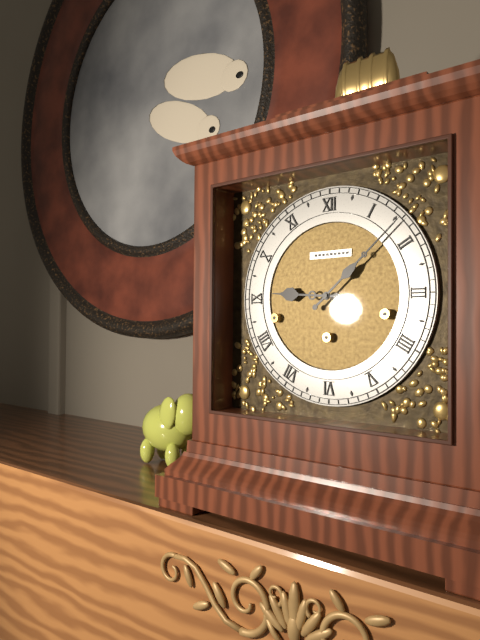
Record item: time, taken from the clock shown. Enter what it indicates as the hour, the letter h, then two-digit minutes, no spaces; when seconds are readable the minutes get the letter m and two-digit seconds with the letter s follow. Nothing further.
9h08
